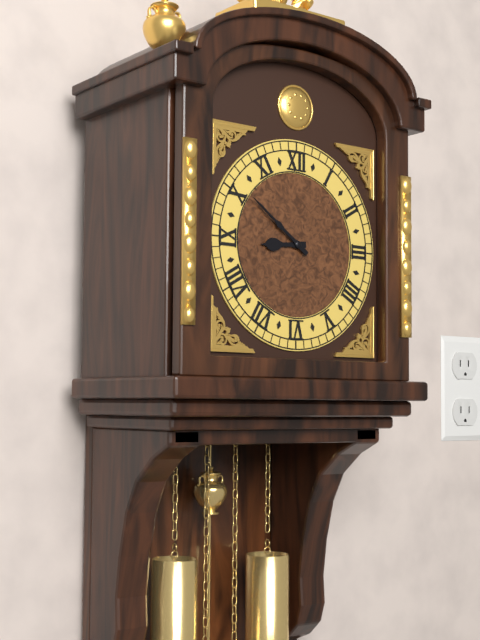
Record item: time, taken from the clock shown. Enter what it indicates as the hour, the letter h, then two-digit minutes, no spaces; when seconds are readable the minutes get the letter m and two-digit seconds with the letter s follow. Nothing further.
8h51
